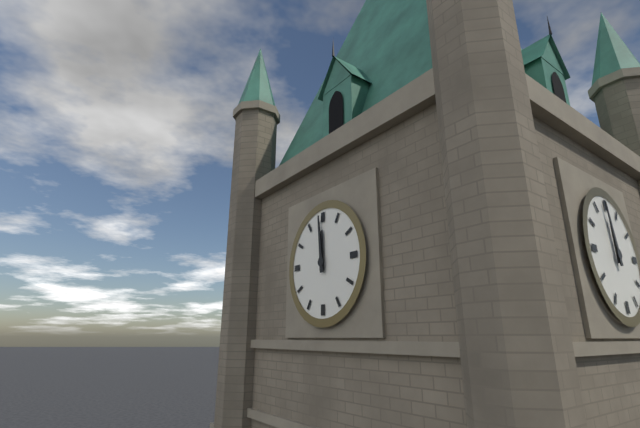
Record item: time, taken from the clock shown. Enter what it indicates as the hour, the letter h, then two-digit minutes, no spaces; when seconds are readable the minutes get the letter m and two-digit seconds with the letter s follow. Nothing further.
11h59
